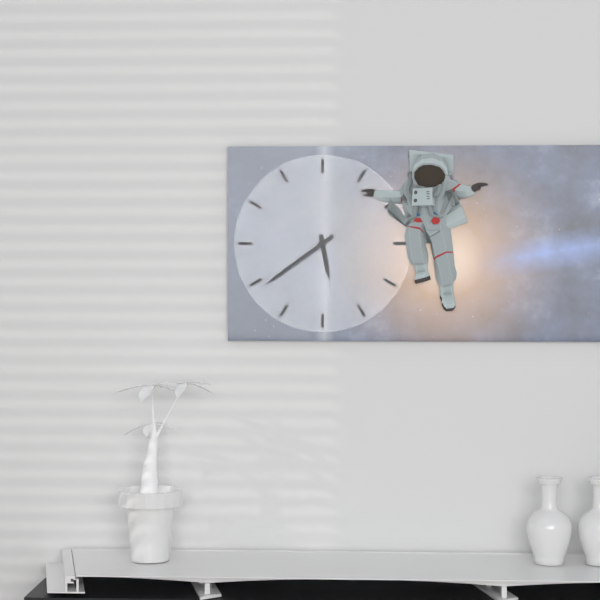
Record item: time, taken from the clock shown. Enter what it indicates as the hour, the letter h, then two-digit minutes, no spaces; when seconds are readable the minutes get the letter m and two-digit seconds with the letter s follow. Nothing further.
5h39
